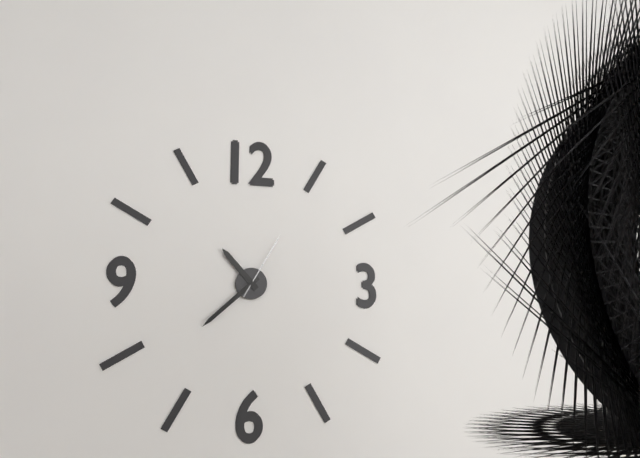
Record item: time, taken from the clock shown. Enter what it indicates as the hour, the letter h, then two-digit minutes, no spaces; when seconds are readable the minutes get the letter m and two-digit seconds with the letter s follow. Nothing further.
10h38m05s
